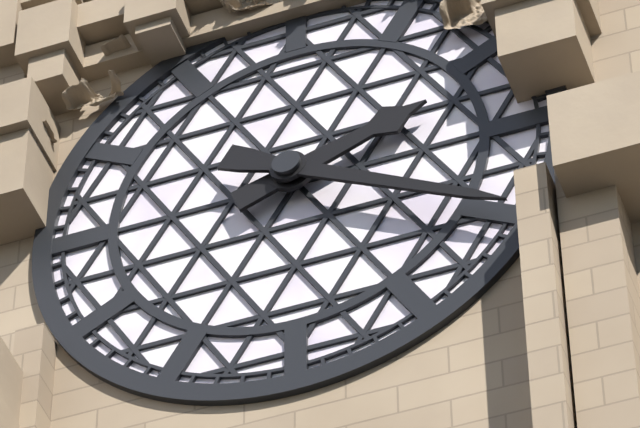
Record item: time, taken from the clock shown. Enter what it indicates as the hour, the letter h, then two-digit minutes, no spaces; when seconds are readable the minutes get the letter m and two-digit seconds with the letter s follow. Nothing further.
2h20
